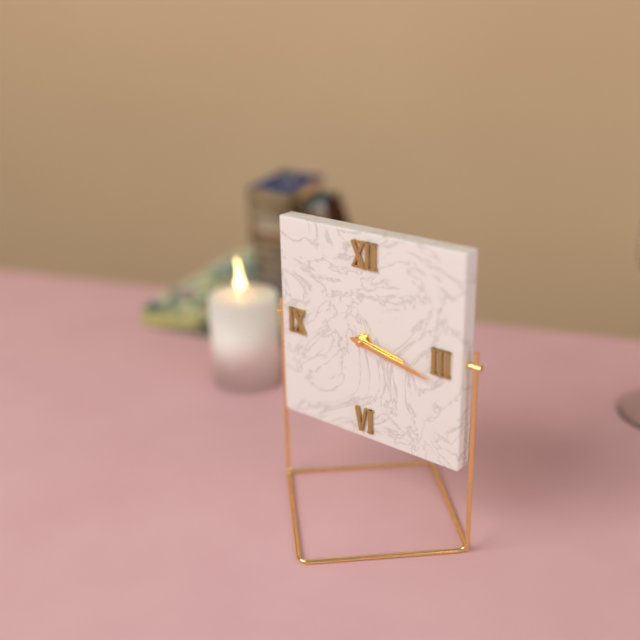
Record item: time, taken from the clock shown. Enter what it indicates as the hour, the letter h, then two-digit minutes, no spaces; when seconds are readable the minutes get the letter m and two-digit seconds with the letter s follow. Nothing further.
3h17
